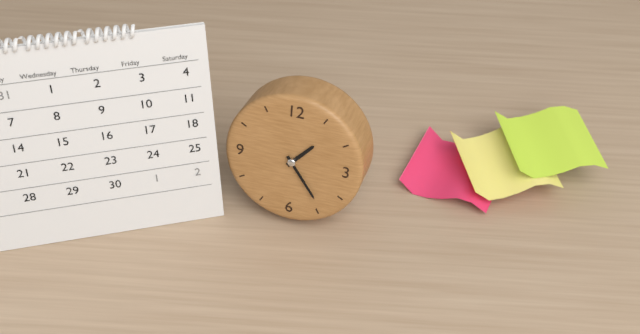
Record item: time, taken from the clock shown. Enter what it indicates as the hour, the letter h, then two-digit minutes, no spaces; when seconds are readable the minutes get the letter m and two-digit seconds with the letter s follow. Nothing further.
1h24
